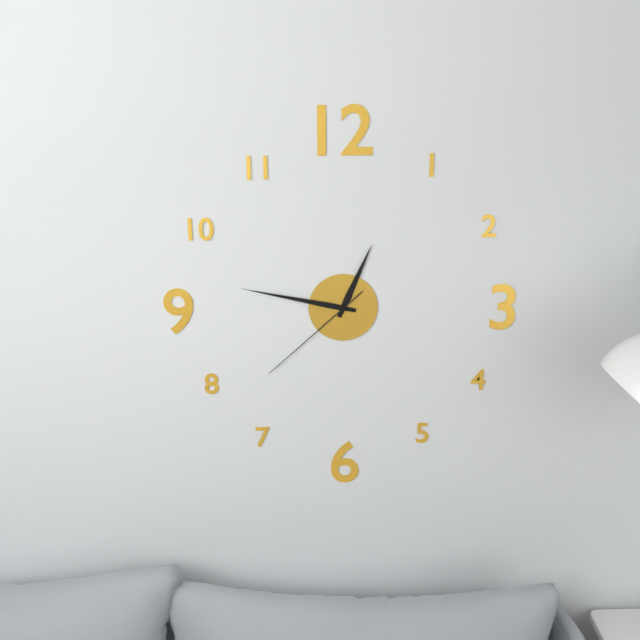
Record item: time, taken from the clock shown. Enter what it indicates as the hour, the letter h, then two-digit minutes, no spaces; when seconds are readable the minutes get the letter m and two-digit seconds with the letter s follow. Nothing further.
12h47m38s
